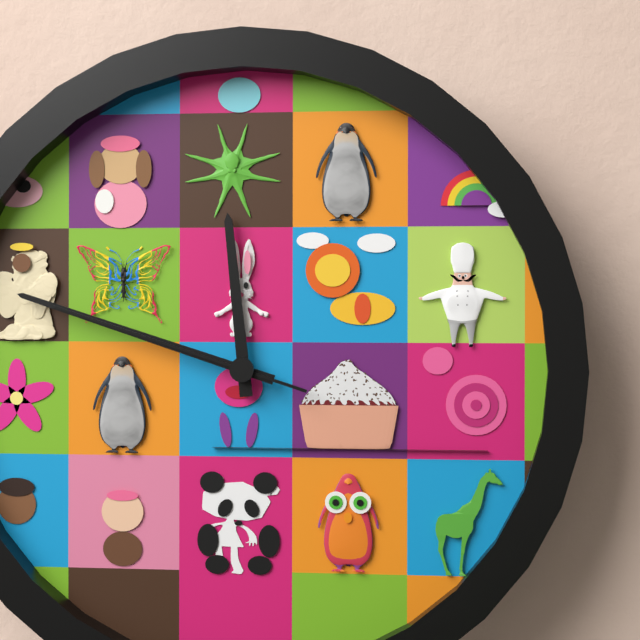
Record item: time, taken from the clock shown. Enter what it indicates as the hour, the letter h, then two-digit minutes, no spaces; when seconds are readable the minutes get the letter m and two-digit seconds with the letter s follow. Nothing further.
11h48m48s
